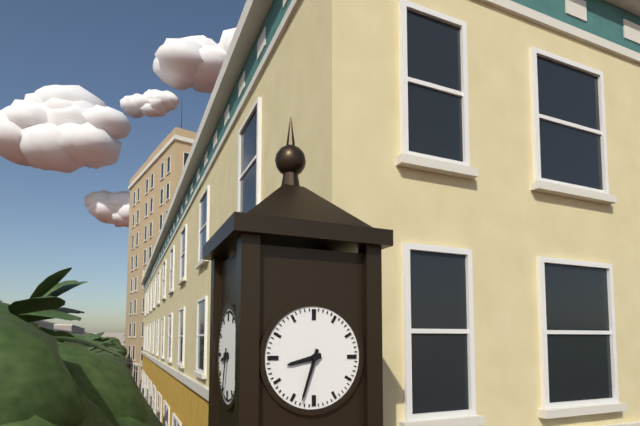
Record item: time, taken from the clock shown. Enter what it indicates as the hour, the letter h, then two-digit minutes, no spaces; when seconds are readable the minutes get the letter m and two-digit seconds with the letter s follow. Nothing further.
8h33
